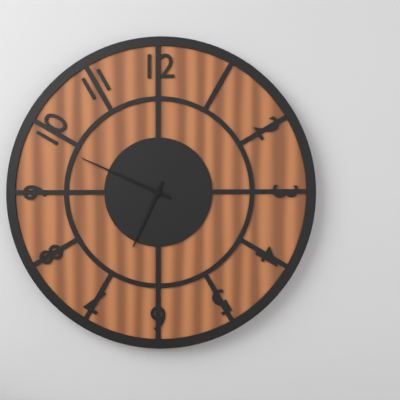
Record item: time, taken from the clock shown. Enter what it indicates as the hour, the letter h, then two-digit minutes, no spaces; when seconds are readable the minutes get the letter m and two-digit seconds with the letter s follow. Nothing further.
6h49
